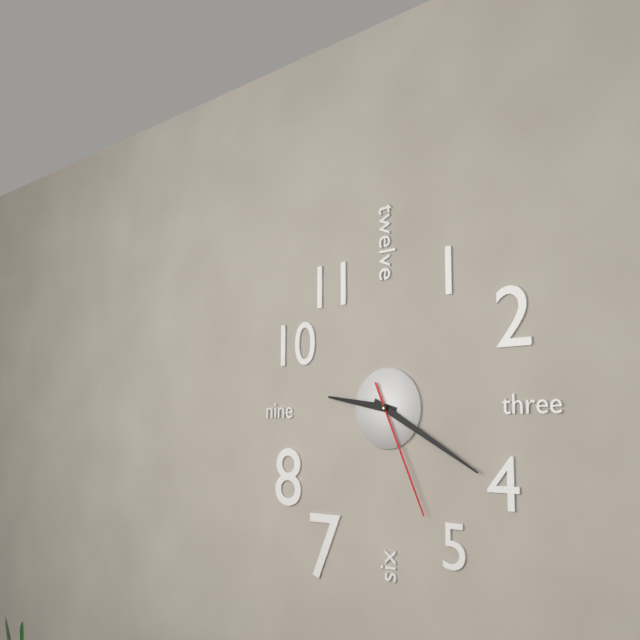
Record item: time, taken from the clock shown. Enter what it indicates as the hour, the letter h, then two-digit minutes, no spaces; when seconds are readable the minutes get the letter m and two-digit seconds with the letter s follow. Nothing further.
9h20m26s
